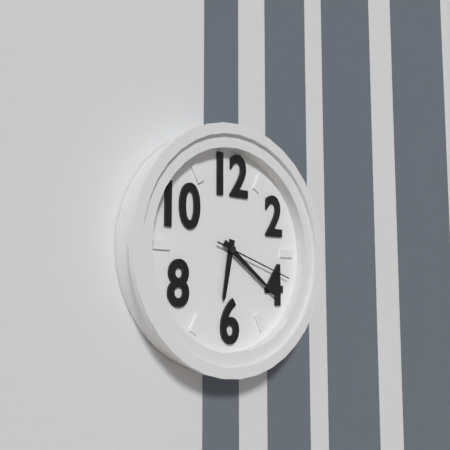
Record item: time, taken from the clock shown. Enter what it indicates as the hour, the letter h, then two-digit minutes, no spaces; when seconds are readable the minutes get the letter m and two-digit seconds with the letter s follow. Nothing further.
6h21m18s
